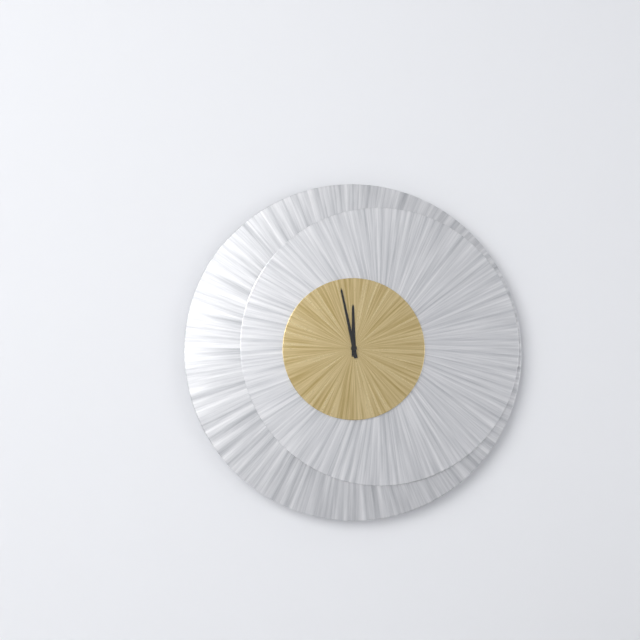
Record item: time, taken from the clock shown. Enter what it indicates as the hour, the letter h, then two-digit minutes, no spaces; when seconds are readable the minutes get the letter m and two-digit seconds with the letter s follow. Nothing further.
11h58
